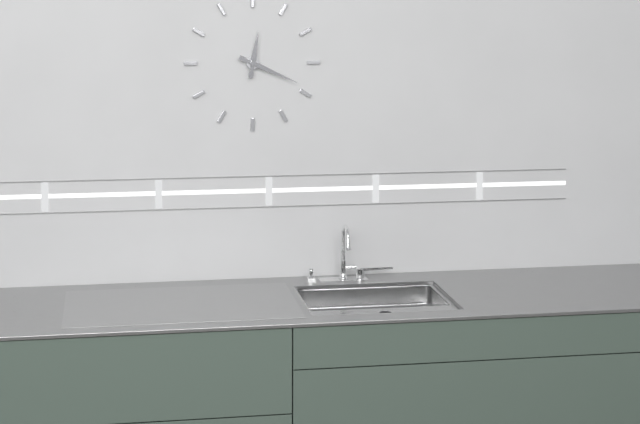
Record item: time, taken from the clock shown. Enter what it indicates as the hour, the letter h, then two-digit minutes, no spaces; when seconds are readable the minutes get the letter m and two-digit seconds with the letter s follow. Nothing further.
12h19
